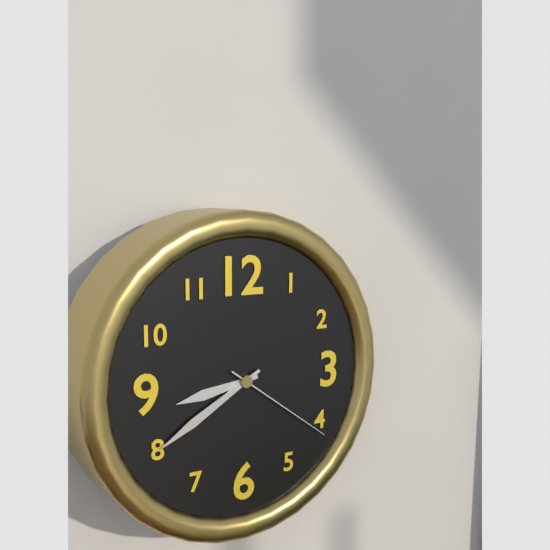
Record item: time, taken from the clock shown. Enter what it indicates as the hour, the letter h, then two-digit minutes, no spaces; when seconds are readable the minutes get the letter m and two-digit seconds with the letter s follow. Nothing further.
8h40m21s
